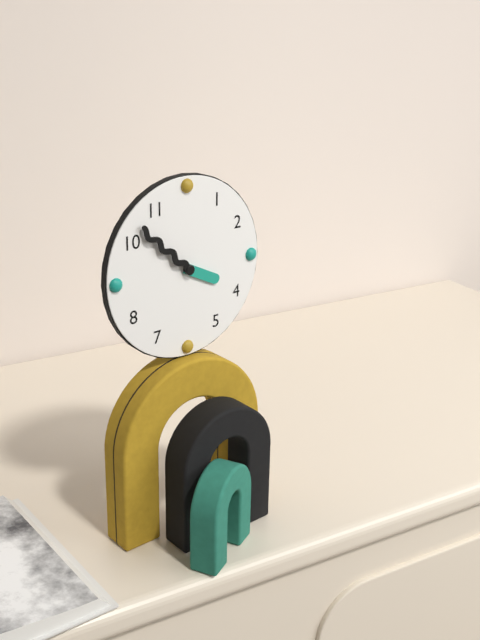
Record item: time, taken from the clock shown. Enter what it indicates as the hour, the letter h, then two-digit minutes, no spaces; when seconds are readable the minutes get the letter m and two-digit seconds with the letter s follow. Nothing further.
3h52
